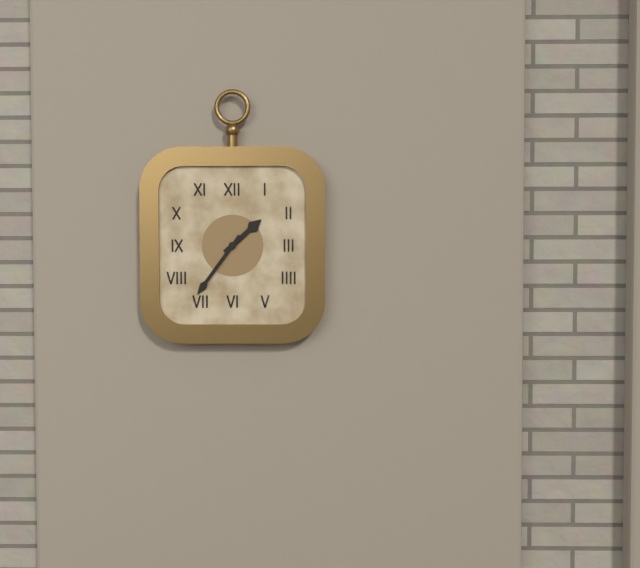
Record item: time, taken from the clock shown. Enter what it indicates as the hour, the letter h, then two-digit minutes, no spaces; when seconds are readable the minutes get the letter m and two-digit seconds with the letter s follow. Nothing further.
1h36
